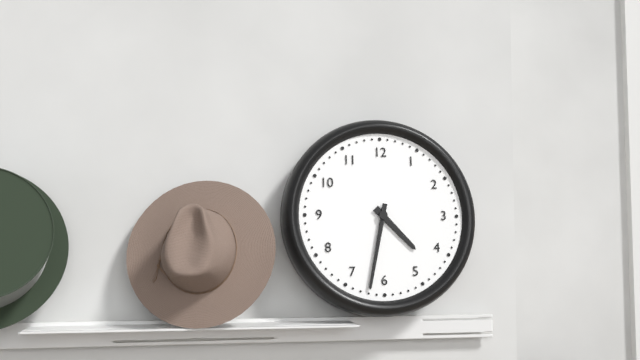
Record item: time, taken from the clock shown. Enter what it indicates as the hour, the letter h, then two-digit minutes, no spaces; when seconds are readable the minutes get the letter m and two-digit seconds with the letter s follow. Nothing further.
4h32
